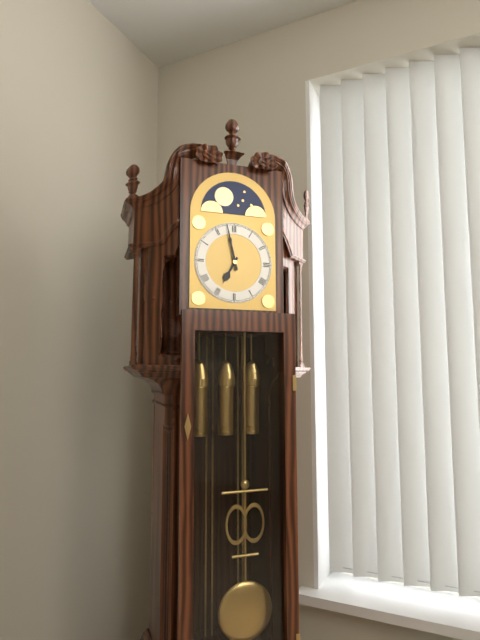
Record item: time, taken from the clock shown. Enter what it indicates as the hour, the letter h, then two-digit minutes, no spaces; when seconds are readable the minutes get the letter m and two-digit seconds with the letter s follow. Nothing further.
6h58
